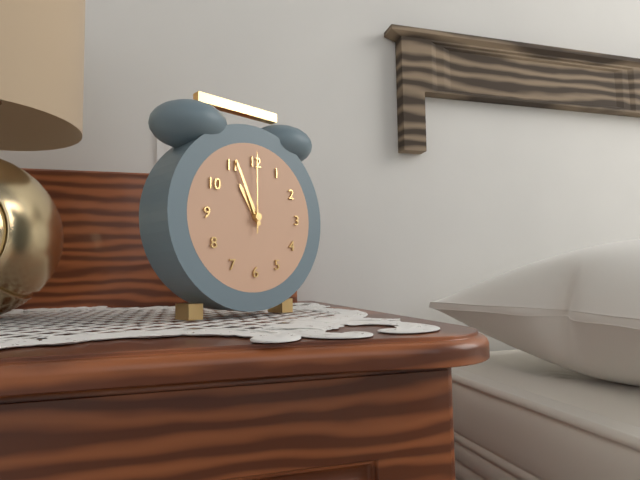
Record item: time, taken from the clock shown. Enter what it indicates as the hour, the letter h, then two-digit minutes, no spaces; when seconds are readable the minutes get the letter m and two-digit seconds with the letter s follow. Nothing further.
10h56m00s
